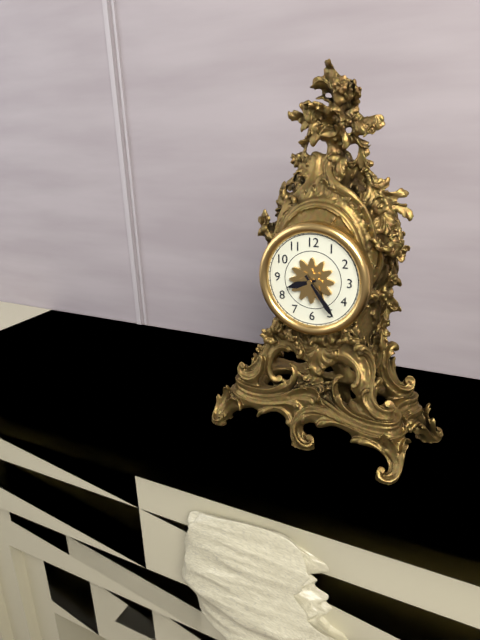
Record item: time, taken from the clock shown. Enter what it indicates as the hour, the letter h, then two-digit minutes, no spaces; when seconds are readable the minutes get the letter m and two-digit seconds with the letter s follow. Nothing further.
8h24
